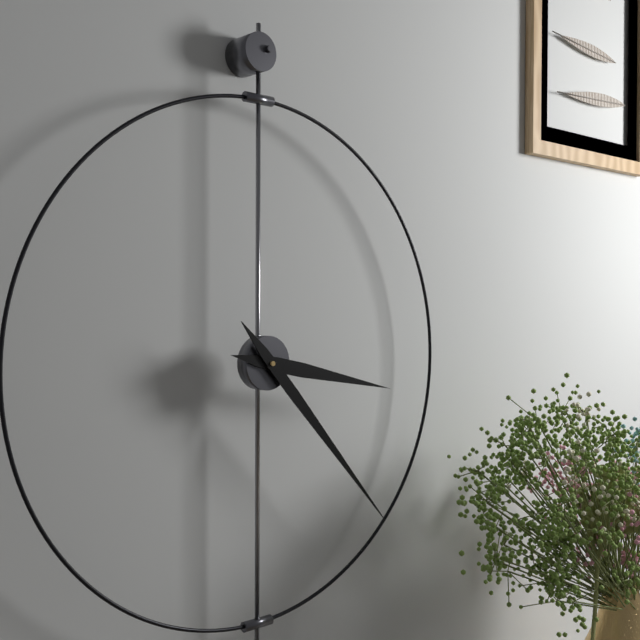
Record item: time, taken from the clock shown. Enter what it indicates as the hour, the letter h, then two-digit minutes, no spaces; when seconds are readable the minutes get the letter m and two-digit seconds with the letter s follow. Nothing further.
3h23
